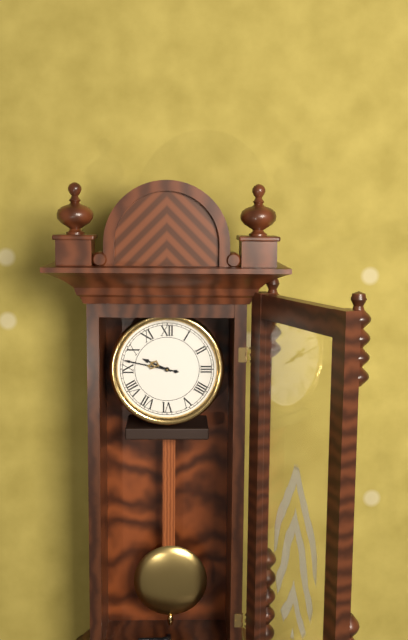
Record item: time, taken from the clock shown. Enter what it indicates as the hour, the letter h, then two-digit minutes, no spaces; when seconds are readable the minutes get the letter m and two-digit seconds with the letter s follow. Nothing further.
9h47
